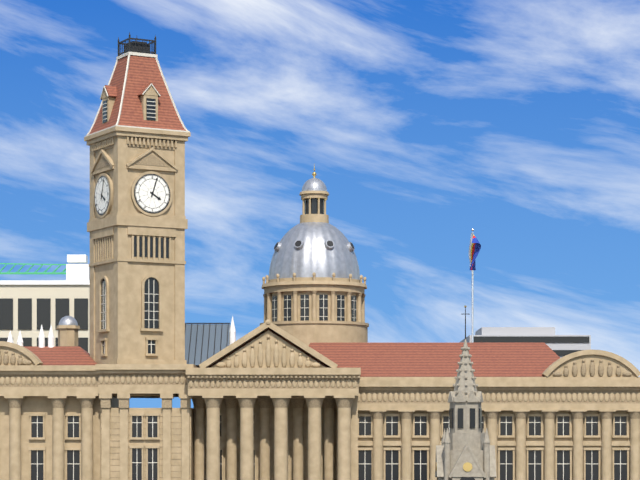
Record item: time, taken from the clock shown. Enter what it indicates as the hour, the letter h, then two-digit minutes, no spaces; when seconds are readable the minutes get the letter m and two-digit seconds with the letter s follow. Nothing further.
4h03
